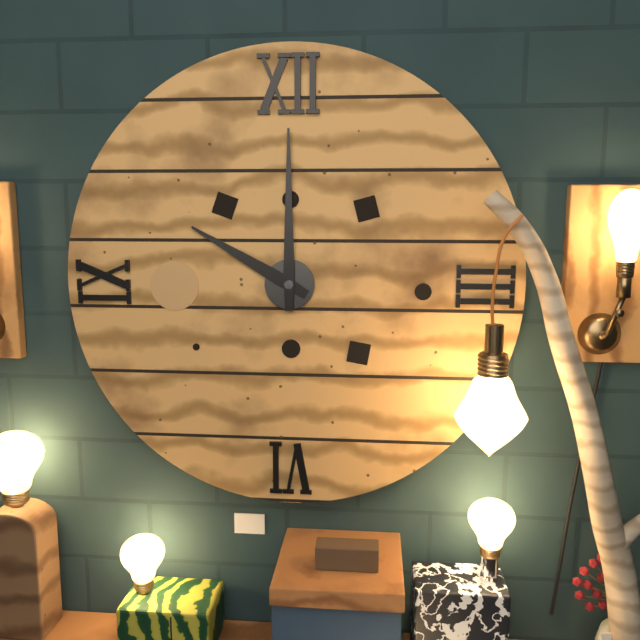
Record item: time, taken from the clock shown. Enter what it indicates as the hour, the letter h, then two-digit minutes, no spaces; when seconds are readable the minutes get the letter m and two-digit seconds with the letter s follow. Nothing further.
10h00
